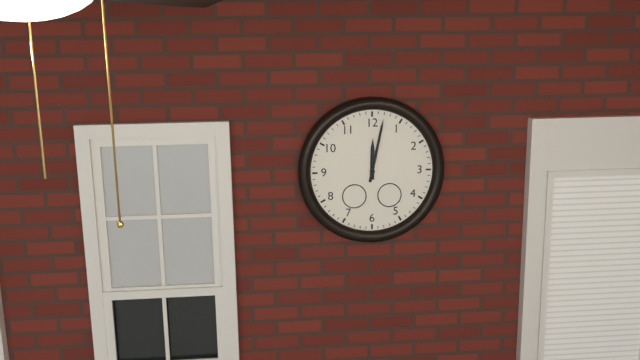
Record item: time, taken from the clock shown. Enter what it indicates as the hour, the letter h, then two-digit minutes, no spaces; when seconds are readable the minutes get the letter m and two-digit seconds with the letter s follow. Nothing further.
12h02
